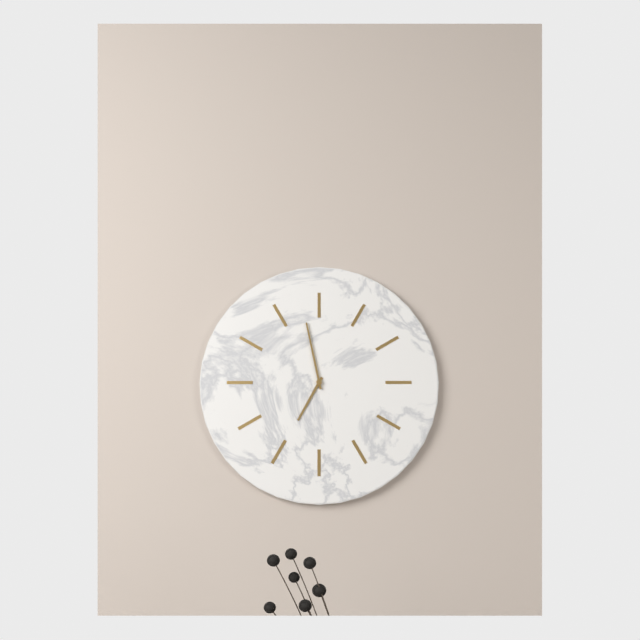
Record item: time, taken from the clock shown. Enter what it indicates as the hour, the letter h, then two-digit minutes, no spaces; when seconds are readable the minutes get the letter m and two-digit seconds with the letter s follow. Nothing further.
6h58
